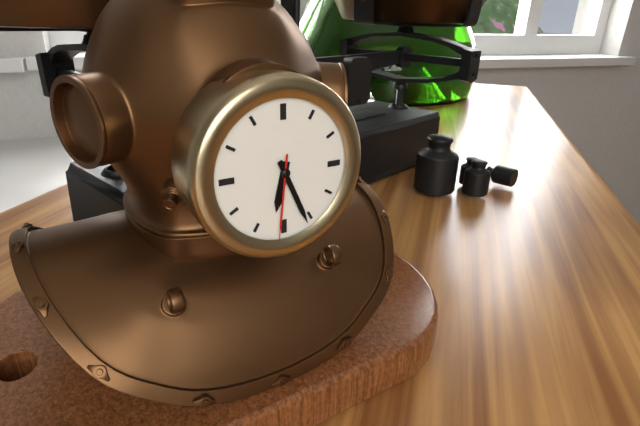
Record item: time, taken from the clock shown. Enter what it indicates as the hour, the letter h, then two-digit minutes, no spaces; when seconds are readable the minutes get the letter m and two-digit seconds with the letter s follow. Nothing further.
6h26m31s
